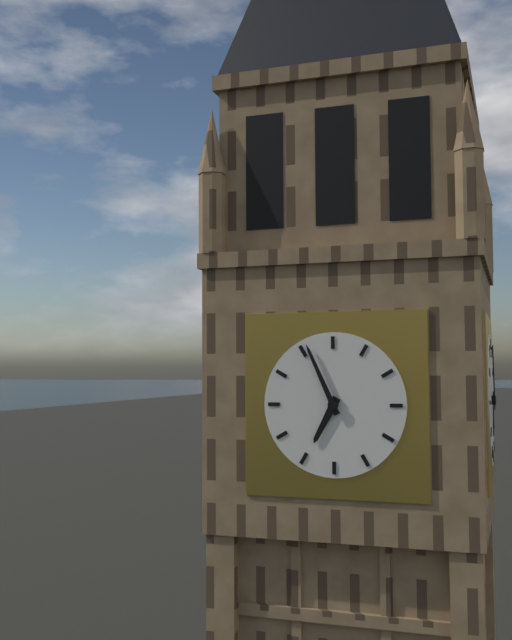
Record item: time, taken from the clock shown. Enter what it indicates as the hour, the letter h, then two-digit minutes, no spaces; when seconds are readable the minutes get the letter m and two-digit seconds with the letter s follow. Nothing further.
6h56
